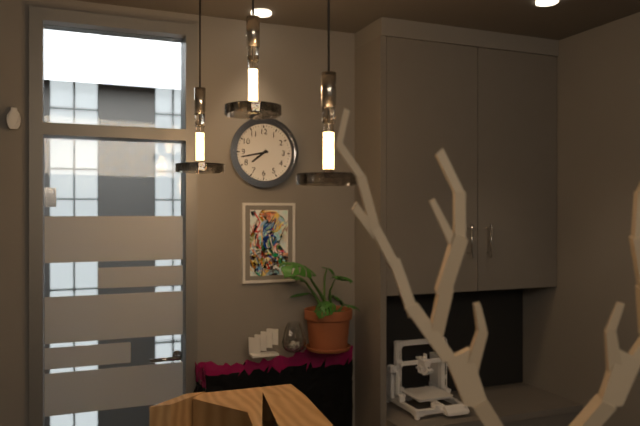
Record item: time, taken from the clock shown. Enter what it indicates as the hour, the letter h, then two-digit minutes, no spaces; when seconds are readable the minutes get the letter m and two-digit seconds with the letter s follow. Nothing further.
7h43
